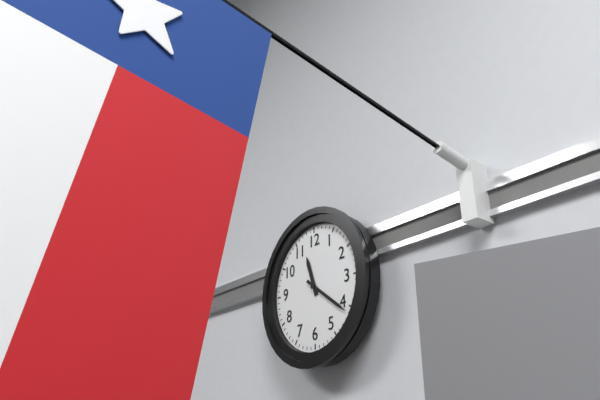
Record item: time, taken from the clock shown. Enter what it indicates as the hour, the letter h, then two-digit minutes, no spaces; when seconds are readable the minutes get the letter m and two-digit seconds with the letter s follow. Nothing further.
11h21
